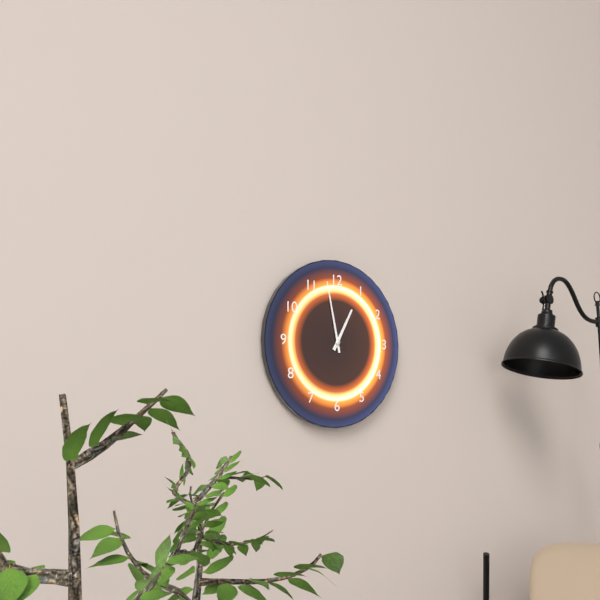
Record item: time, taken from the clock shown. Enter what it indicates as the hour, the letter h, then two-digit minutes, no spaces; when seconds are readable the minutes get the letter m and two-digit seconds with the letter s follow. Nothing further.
12h58
